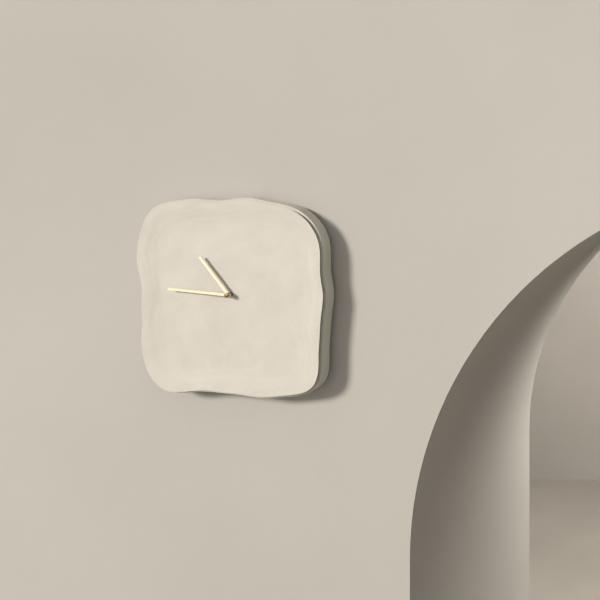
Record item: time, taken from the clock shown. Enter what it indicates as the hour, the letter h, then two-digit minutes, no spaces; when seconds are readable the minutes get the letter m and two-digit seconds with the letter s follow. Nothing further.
10h46
